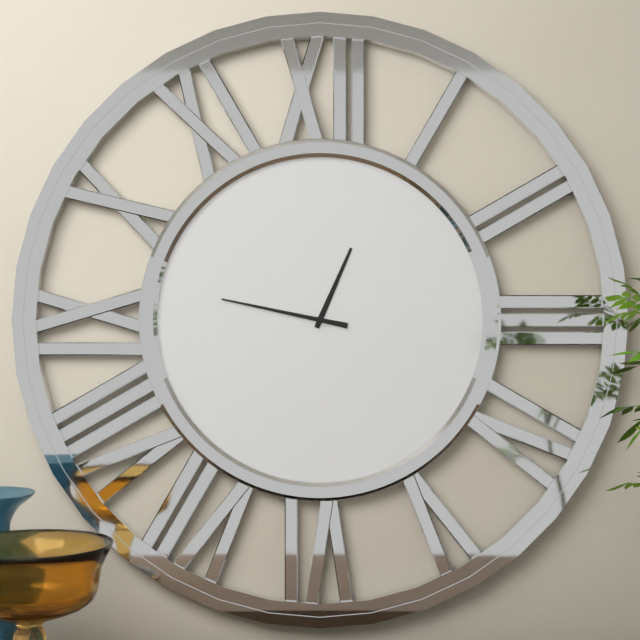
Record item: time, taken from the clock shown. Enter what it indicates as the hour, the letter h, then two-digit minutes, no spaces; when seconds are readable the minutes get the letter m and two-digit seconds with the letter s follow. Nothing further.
12h47
